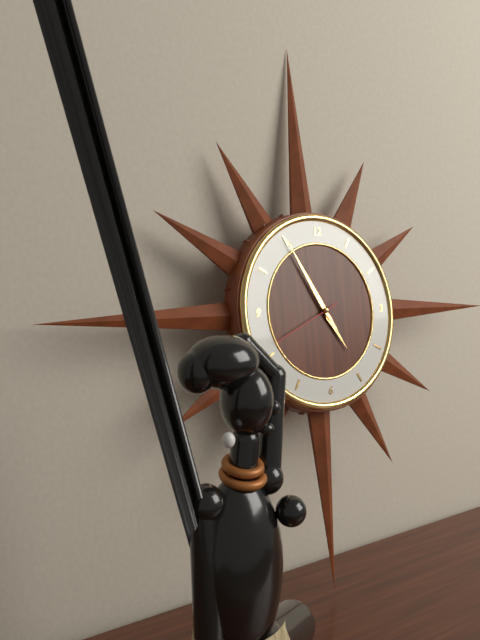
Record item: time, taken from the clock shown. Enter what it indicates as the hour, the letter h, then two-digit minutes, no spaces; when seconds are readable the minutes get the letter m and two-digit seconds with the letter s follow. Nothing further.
4h55m41s
